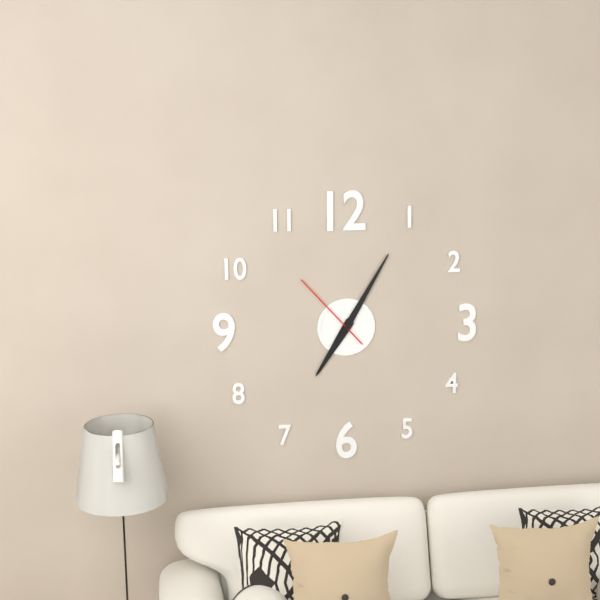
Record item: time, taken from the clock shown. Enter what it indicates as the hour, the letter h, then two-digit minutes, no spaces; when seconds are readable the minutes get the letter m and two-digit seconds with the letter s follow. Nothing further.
7h05m53s
